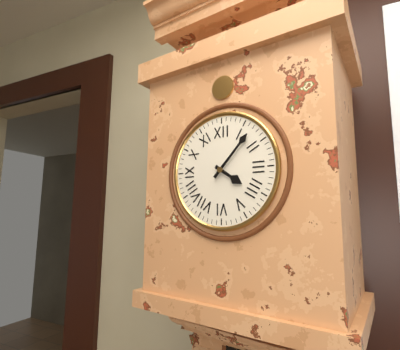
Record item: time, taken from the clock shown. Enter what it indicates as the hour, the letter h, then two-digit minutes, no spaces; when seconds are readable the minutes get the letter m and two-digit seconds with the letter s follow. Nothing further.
4h07
